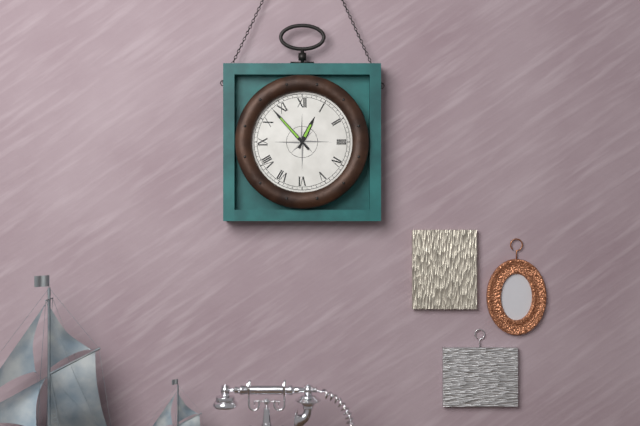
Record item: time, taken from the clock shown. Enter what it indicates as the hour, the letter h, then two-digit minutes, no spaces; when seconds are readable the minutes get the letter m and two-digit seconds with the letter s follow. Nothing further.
12h53
